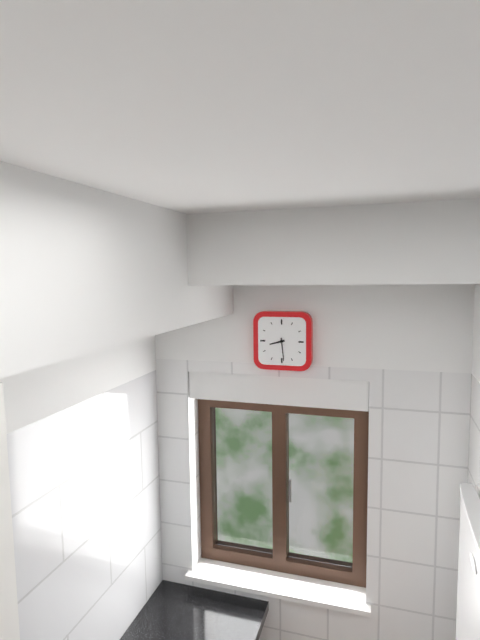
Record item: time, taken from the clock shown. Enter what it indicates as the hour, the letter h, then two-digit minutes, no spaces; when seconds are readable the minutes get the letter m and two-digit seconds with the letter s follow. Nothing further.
8h29
